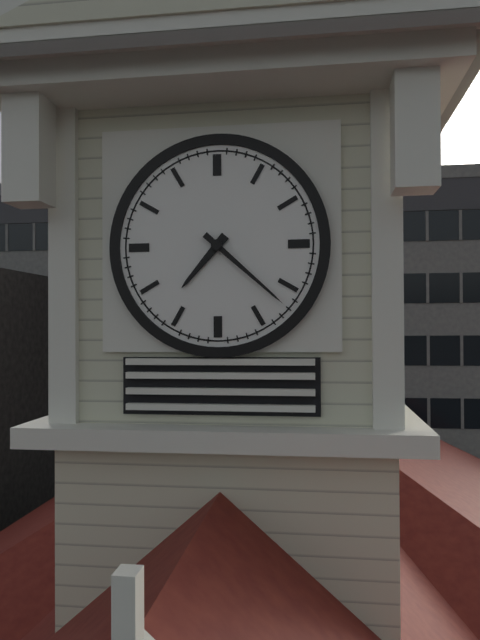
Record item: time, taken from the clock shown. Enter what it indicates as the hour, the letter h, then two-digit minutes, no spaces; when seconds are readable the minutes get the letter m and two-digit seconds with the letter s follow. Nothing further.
7h22
